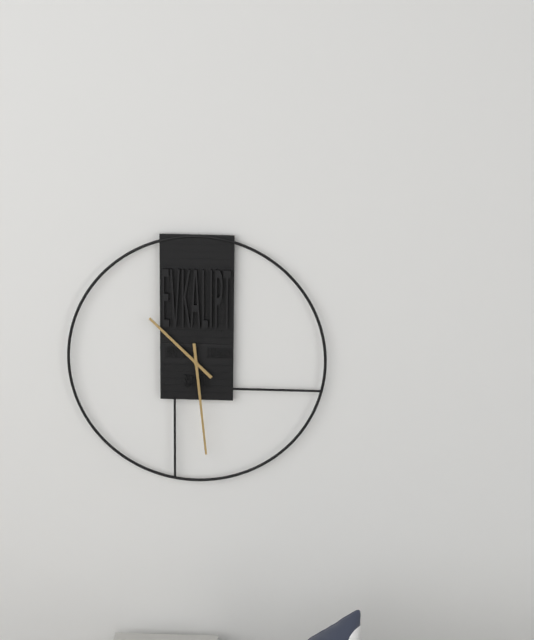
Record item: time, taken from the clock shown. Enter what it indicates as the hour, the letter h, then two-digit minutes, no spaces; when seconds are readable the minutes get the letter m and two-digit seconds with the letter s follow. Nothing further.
10h29
